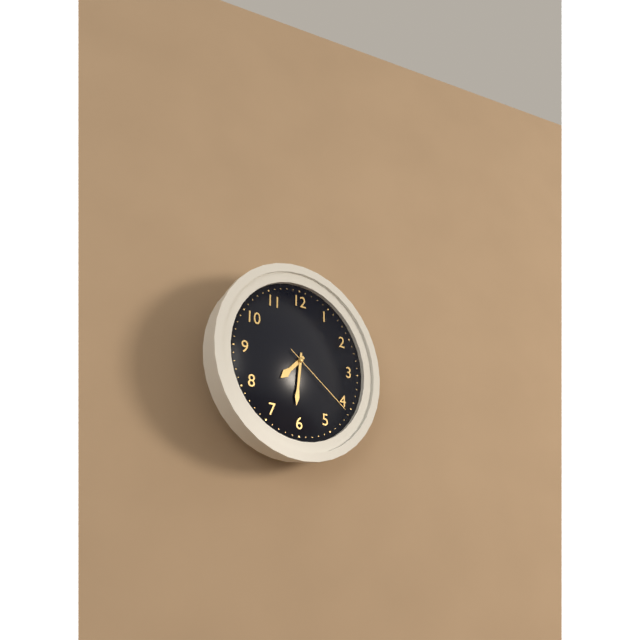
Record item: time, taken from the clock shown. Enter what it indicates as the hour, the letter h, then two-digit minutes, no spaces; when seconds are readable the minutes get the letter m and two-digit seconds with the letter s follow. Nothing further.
7h31m21s
